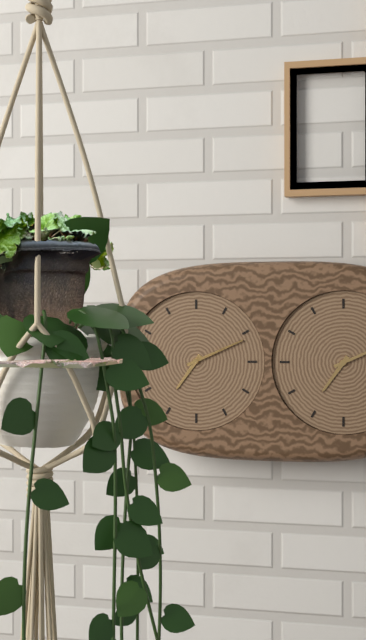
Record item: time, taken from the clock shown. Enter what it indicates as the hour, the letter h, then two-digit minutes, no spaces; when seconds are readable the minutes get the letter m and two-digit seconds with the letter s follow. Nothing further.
7h11
